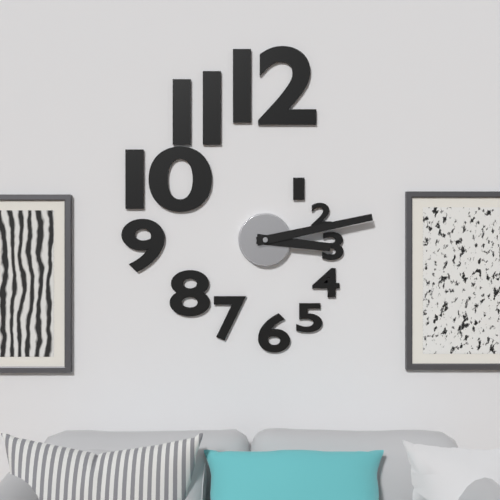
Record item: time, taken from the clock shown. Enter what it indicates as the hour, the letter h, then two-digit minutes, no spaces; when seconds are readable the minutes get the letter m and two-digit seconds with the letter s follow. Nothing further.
3h13
